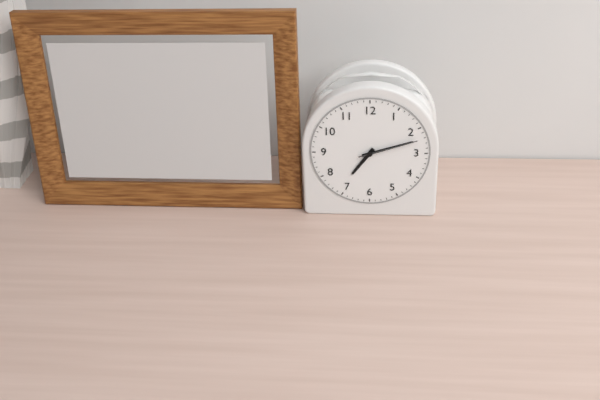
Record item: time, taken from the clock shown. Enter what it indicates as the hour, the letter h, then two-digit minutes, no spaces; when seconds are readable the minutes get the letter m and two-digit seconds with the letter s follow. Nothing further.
7h12m12s
